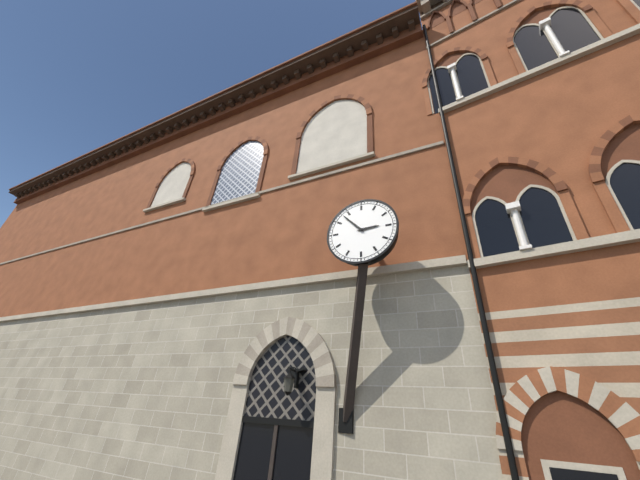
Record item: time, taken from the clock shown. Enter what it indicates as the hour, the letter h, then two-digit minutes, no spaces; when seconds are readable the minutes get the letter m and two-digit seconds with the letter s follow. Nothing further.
2h53
